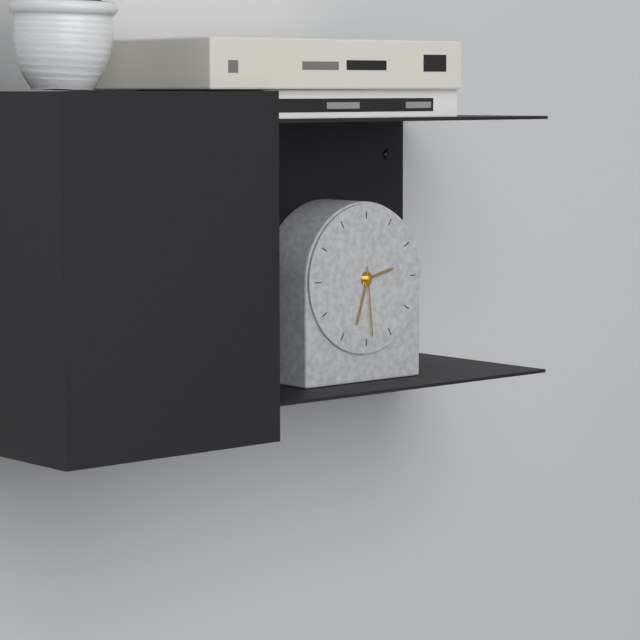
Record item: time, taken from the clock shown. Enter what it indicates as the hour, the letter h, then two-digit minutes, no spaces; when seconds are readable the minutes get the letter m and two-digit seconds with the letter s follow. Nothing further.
2h33m29s
